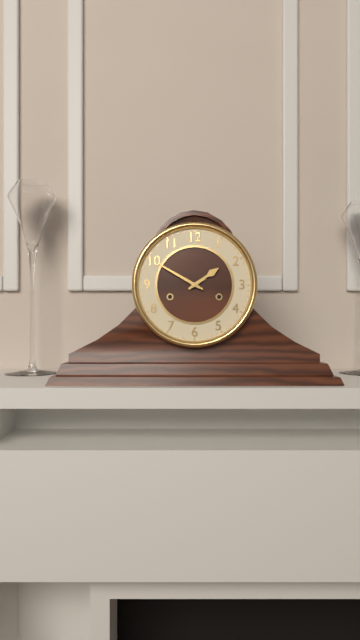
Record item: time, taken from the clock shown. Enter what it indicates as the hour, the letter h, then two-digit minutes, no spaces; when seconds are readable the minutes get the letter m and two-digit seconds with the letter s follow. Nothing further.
1h50
